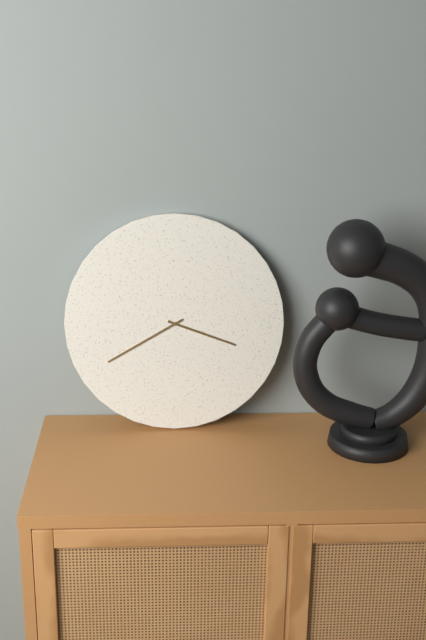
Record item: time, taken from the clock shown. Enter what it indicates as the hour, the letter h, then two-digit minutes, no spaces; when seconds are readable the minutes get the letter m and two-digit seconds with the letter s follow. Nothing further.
3h40
